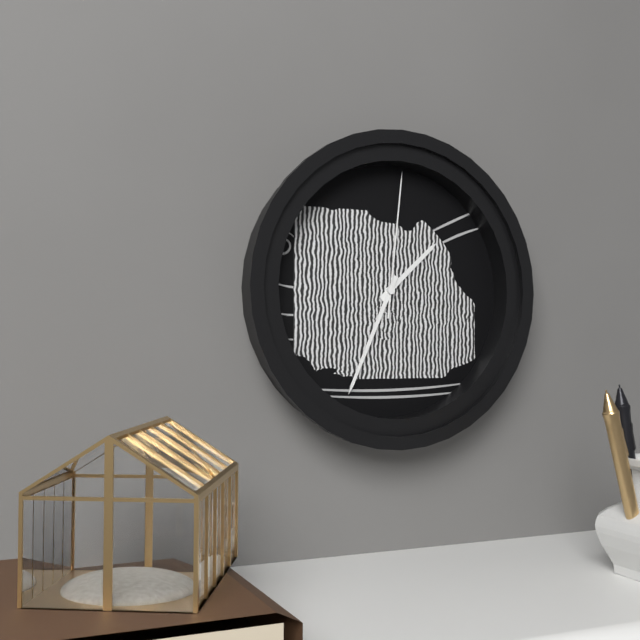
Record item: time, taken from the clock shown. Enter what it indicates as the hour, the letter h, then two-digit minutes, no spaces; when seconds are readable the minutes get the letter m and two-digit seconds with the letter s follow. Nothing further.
1h34m01s
